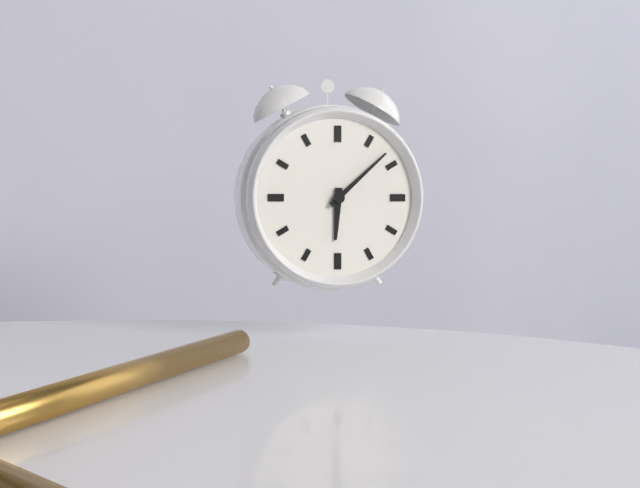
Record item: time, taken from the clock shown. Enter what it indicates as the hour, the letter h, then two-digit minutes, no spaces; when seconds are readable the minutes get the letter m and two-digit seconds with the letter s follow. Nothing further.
6h08
